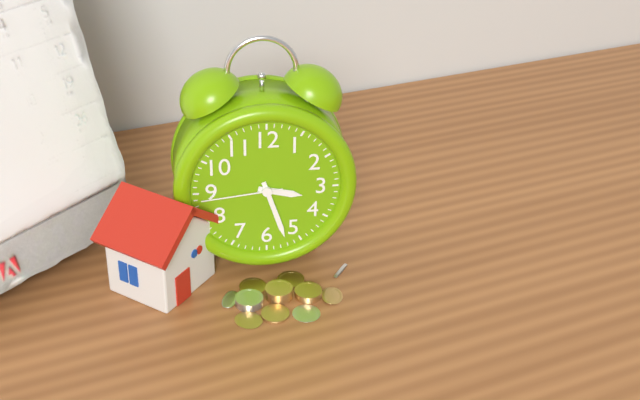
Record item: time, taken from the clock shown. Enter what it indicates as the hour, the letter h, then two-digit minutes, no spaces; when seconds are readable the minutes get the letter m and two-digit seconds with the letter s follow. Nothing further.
3h27m44s
